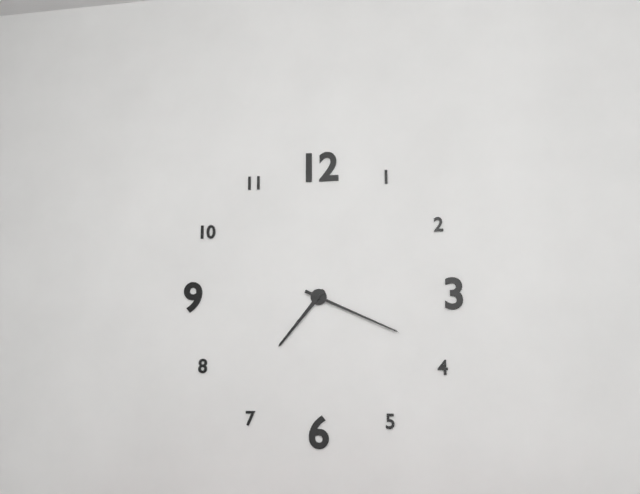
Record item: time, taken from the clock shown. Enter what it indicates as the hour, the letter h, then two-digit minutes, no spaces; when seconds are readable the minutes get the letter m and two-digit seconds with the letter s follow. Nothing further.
7h19
